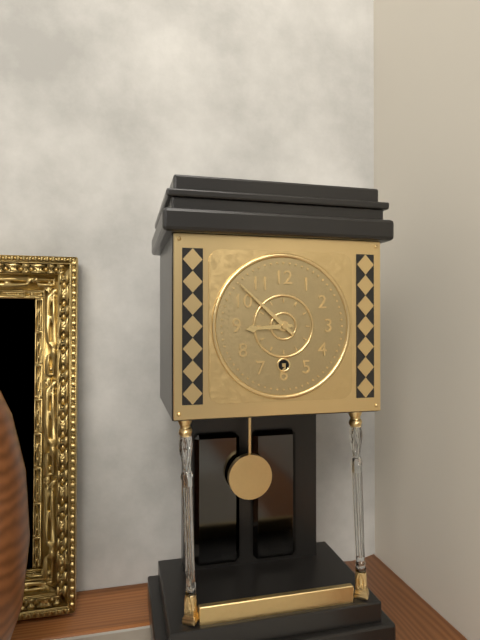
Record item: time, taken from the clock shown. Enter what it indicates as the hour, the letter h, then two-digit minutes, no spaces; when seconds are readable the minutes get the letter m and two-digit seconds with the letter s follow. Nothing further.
8h52
